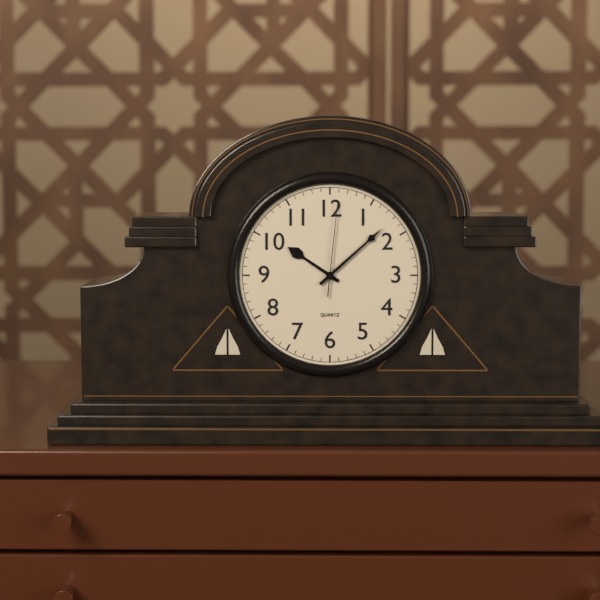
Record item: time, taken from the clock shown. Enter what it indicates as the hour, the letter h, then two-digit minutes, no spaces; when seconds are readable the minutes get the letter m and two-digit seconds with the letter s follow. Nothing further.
10h08m01s
